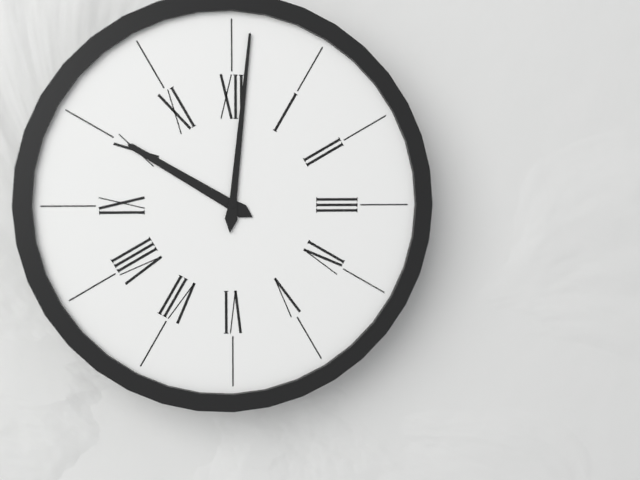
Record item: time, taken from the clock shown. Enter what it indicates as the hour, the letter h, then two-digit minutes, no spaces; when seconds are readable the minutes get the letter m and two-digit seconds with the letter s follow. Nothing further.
10h01
